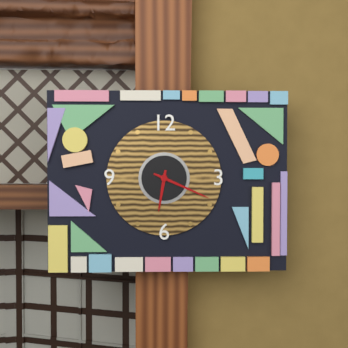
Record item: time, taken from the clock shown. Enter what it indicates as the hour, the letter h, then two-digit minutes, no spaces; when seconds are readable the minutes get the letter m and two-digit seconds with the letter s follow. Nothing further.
6h19
